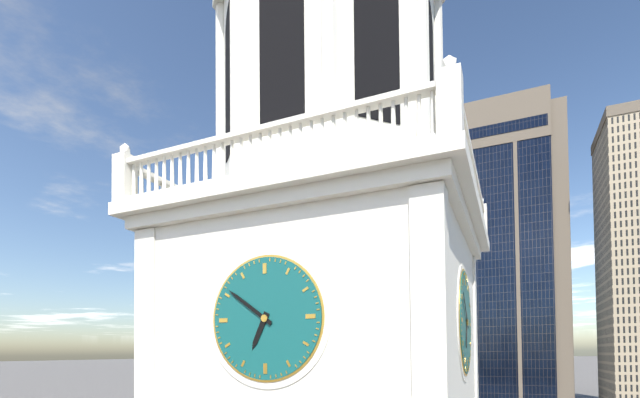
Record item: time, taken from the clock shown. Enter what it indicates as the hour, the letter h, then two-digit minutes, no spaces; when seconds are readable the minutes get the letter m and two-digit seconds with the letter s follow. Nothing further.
6h51
